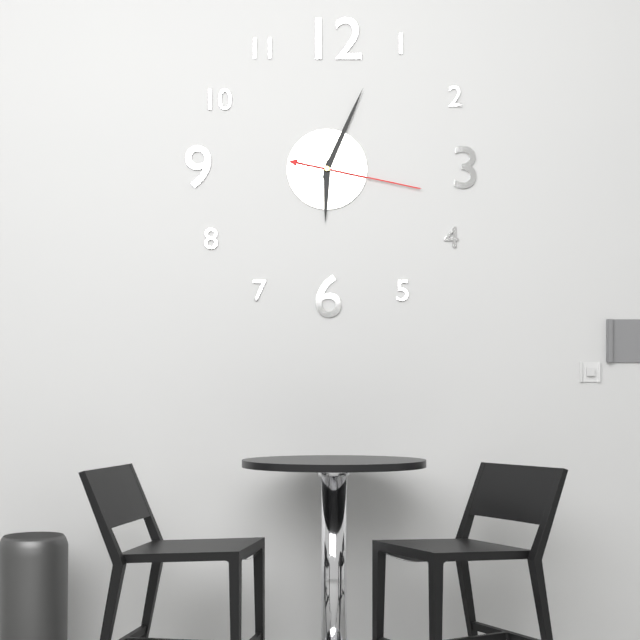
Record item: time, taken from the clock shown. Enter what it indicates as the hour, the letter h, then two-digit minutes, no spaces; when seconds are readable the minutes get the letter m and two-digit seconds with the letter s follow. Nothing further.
6h04m17s
